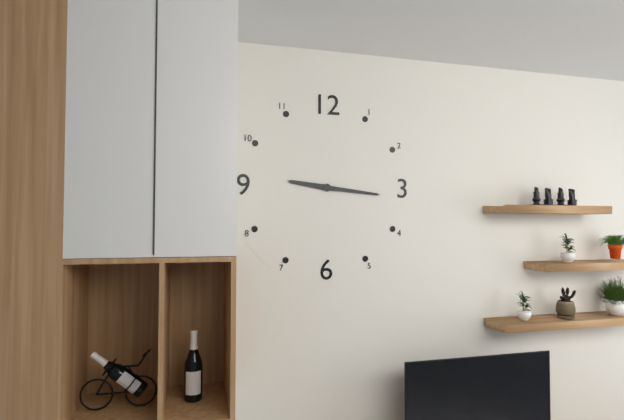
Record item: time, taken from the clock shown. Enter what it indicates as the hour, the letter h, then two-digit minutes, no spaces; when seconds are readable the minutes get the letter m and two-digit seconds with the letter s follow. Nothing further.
9h16
